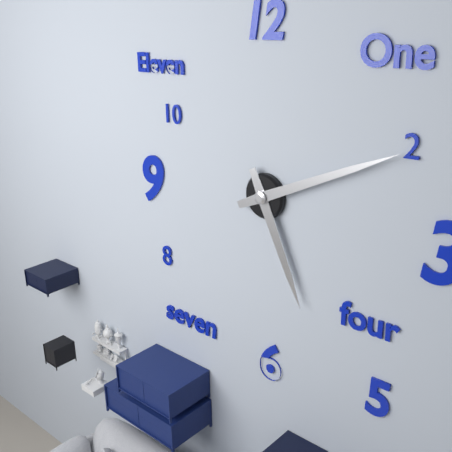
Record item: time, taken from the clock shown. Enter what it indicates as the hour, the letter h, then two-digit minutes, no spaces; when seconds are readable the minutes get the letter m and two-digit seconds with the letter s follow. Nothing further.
5h11
